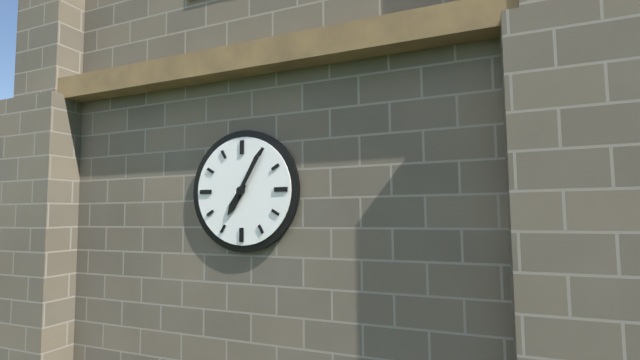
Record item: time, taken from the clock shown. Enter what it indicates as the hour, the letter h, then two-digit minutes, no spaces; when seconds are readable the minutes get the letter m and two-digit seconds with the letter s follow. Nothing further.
7h05
